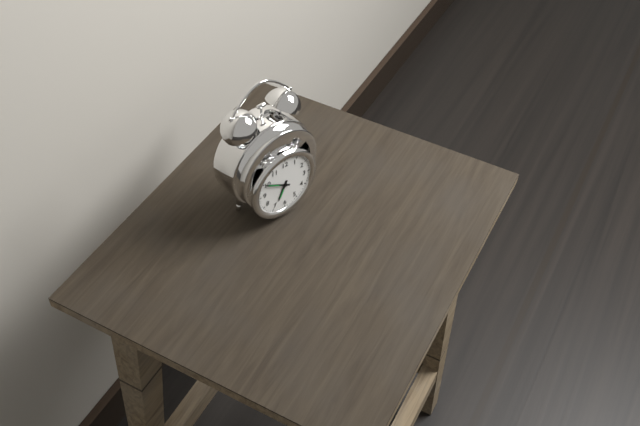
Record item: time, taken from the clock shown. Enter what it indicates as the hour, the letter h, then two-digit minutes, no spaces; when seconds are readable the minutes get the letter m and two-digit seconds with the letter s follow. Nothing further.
6h50
